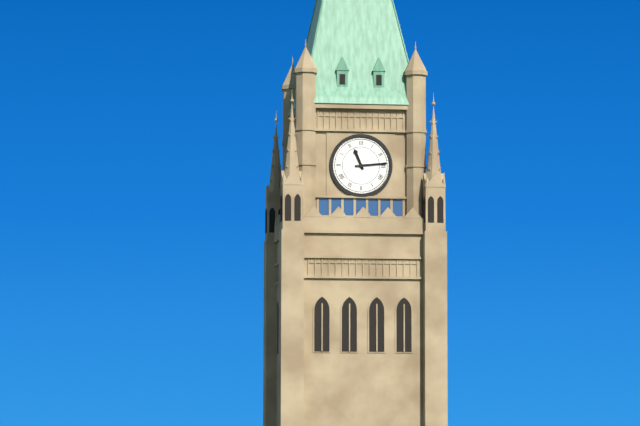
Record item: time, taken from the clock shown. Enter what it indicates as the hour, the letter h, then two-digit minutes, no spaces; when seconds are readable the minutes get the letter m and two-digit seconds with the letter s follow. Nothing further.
11h14
